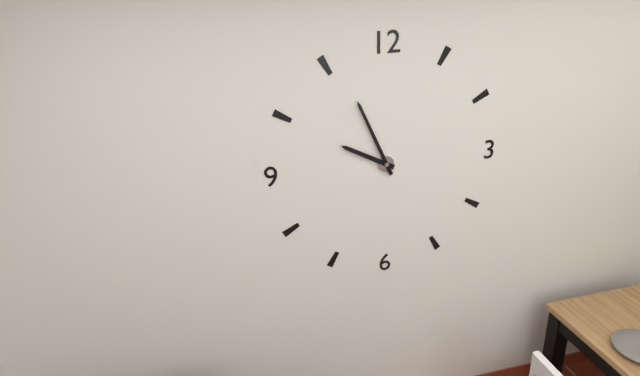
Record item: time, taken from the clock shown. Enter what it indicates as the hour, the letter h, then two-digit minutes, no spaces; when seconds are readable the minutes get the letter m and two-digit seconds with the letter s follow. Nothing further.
9h56
